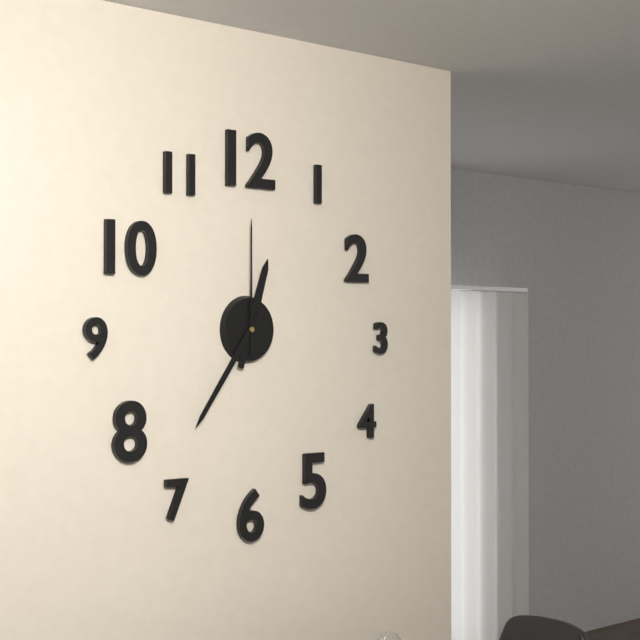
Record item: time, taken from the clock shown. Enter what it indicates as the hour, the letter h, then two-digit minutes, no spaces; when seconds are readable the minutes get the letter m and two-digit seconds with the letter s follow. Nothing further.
12h36m00s
